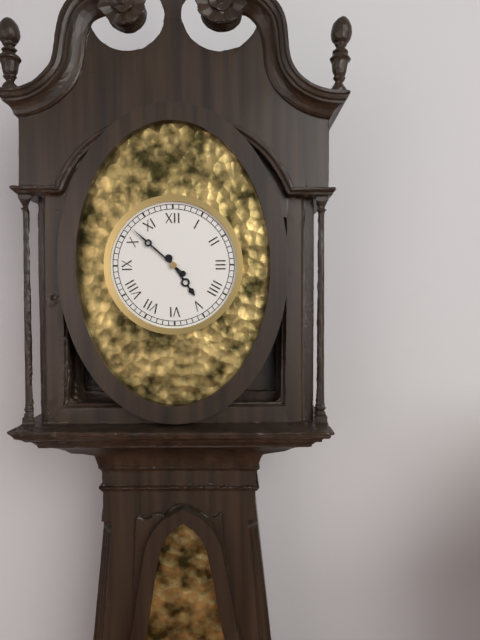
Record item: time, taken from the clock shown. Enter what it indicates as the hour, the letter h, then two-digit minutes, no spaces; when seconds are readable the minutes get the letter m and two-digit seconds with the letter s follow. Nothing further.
4h52
